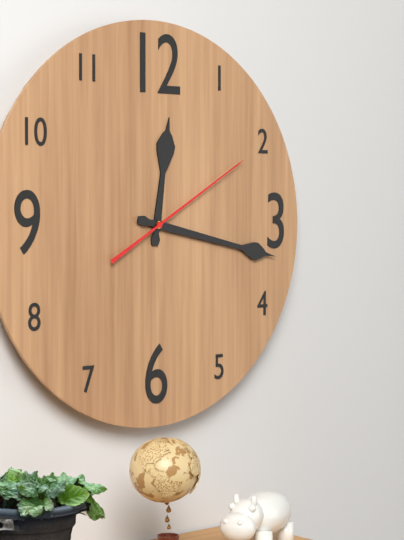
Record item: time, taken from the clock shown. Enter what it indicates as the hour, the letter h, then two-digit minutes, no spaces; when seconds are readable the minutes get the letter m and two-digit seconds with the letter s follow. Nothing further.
12h17m10s
